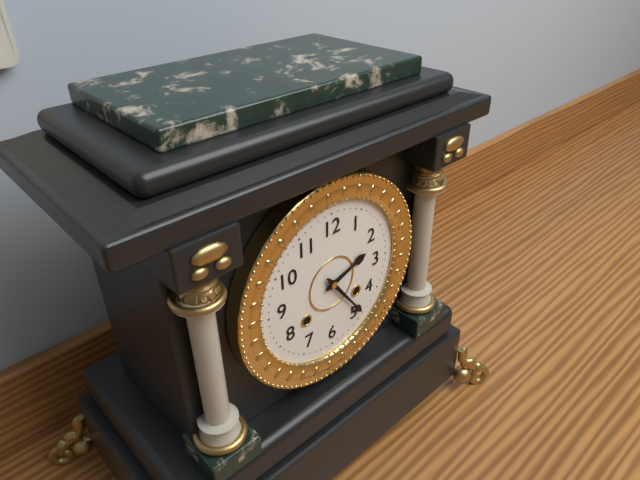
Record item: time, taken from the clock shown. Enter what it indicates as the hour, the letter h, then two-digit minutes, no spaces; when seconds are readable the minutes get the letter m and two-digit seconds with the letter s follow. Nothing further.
2h24
